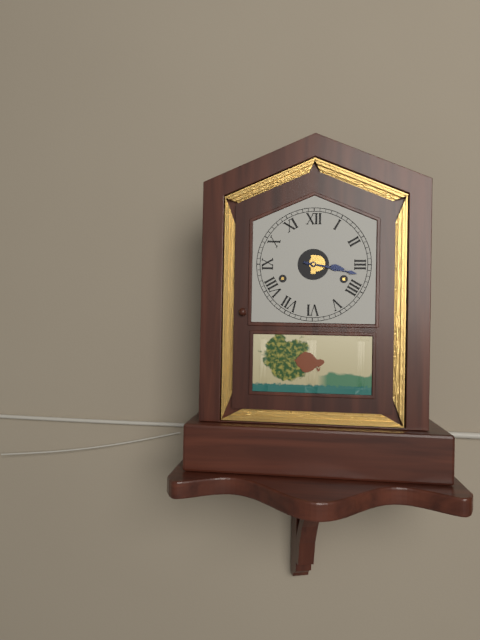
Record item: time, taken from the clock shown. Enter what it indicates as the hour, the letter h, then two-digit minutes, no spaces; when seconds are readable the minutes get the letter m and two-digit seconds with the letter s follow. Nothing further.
3h17
